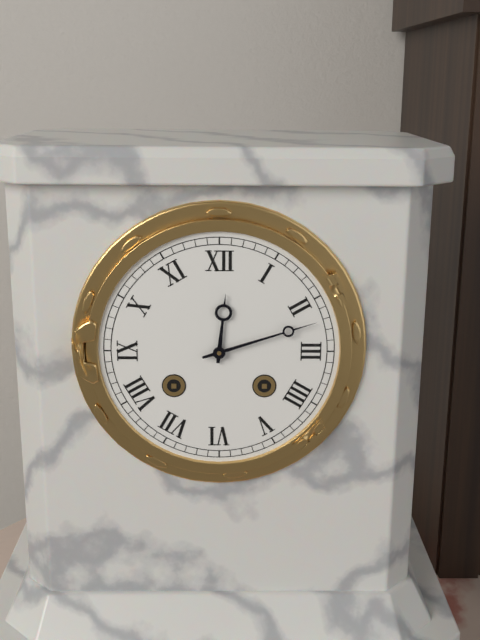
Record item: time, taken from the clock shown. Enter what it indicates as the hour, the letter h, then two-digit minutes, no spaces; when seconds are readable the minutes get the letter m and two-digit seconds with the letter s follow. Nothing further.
12h12
